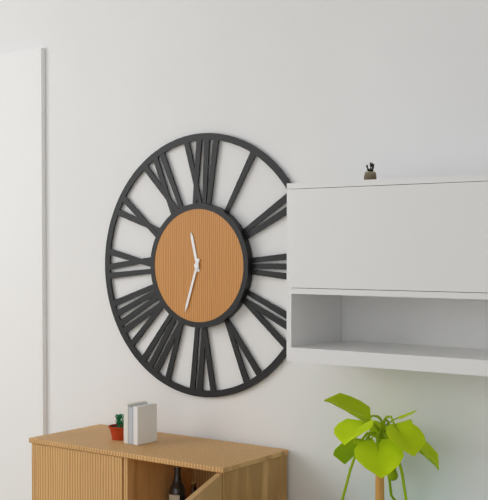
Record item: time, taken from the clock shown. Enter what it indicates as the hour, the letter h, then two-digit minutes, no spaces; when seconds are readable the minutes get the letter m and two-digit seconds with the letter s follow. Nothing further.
11h33
